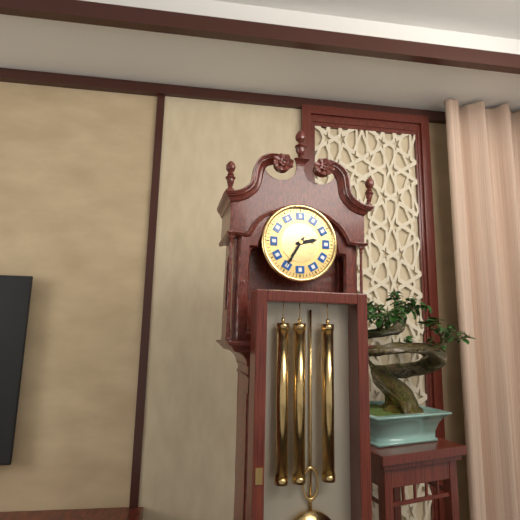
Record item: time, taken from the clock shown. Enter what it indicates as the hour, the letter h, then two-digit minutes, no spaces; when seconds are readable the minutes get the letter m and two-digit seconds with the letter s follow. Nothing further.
2h35
